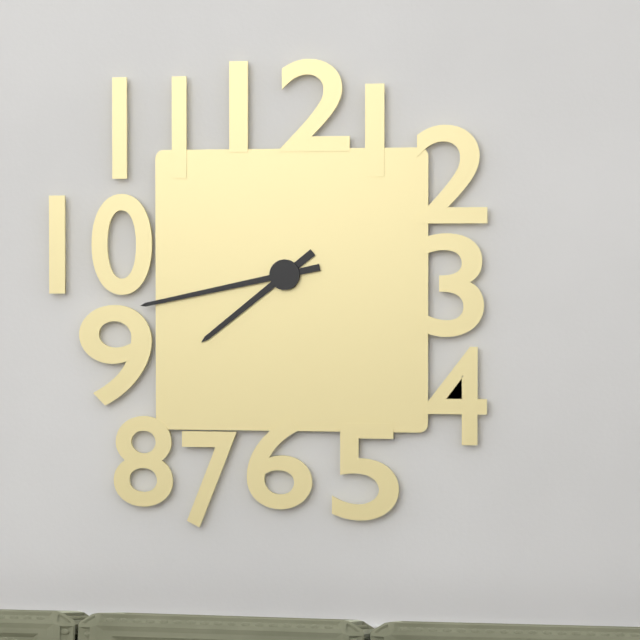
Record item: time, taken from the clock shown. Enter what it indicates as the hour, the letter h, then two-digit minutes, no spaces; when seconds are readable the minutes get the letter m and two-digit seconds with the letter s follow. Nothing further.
7h43
